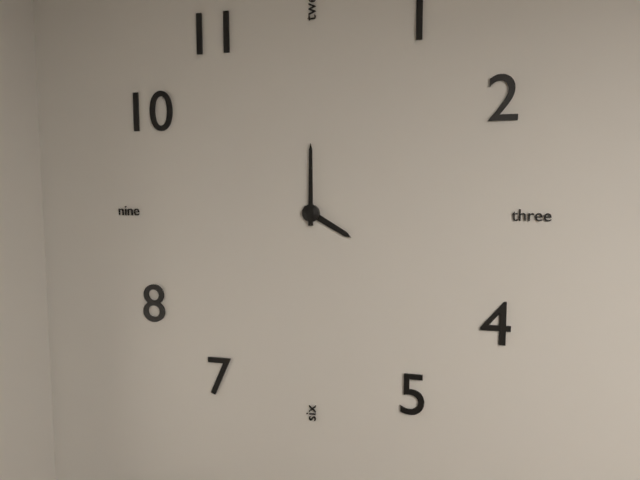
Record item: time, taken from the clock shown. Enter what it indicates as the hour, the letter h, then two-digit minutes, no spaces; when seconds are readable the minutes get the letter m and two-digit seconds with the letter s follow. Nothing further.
4h00
